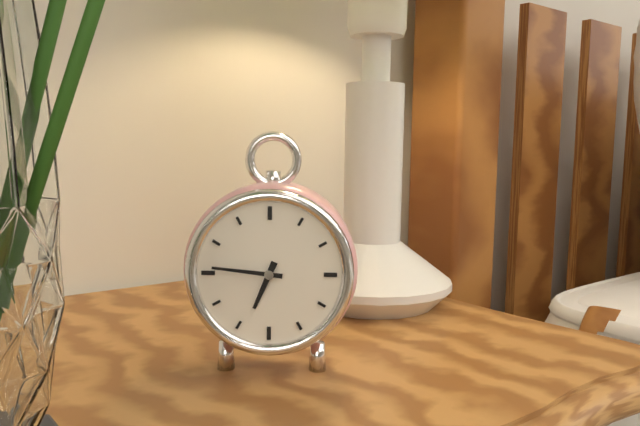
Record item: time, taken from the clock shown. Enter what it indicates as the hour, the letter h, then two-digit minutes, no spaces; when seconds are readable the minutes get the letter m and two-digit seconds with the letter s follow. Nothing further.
6h46
